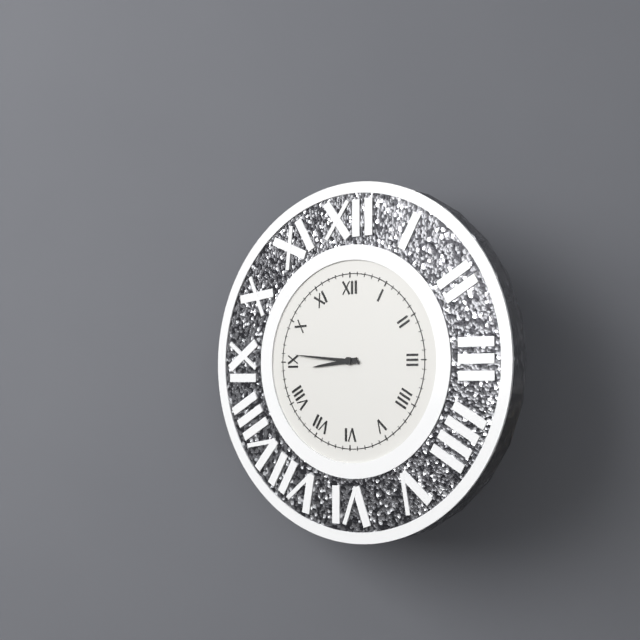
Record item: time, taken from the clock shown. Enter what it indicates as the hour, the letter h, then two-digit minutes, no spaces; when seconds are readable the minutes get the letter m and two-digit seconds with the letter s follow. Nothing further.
8h46
